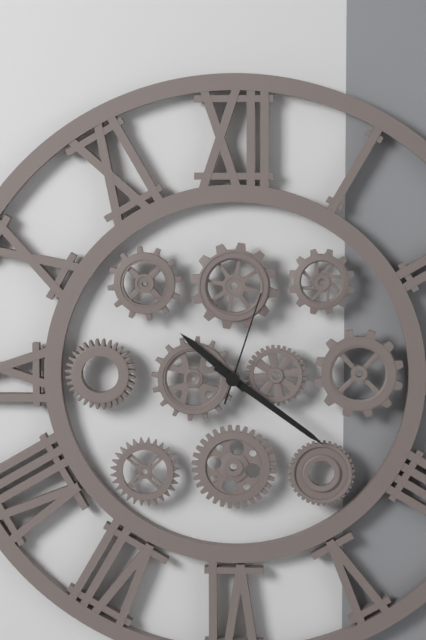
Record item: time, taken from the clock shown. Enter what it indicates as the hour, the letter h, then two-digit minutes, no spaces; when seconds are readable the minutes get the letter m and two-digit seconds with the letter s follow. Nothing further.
10h21m03s
